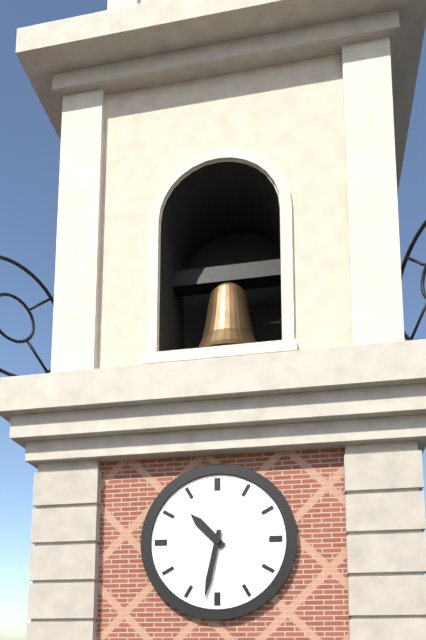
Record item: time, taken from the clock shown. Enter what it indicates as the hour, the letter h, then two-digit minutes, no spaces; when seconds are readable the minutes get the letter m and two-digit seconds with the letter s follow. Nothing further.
10h32
